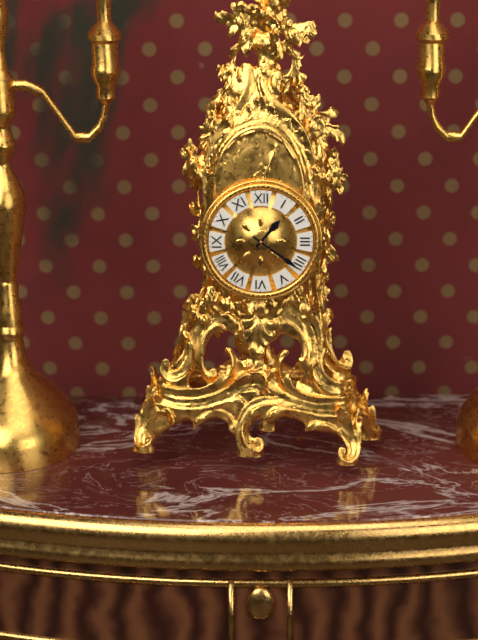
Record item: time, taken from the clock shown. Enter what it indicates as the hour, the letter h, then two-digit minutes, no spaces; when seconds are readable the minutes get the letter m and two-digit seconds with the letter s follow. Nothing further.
1h21
